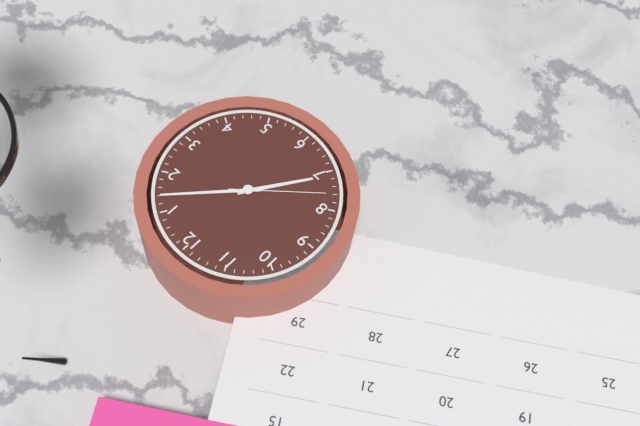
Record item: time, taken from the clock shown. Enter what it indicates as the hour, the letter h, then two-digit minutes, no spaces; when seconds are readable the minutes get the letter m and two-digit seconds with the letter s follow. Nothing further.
7h07m38s
